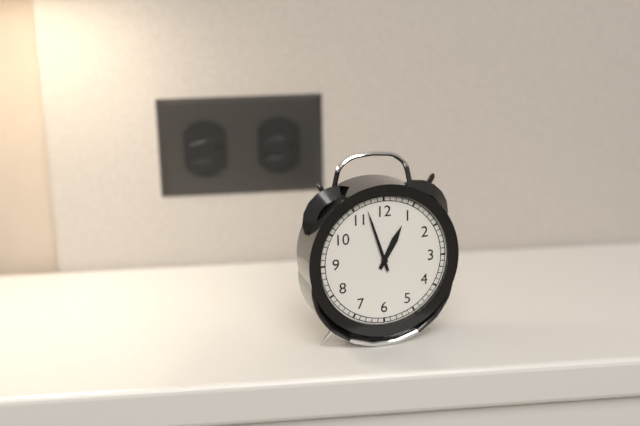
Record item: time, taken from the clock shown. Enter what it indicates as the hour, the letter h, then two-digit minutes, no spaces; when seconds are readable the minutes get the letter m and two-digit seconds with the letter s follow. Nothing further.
12h57
